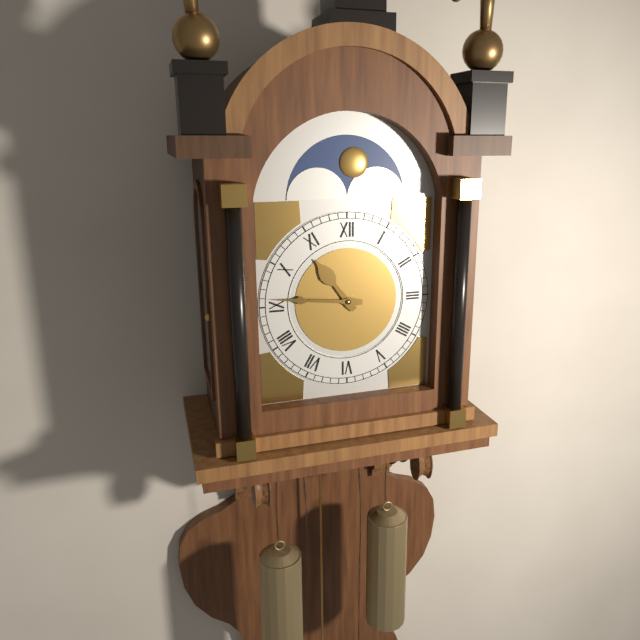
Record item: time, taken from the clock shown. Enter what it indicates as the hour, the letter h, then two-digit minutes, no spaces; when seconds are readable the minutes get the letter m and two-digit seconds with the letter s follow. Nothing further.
10h46
